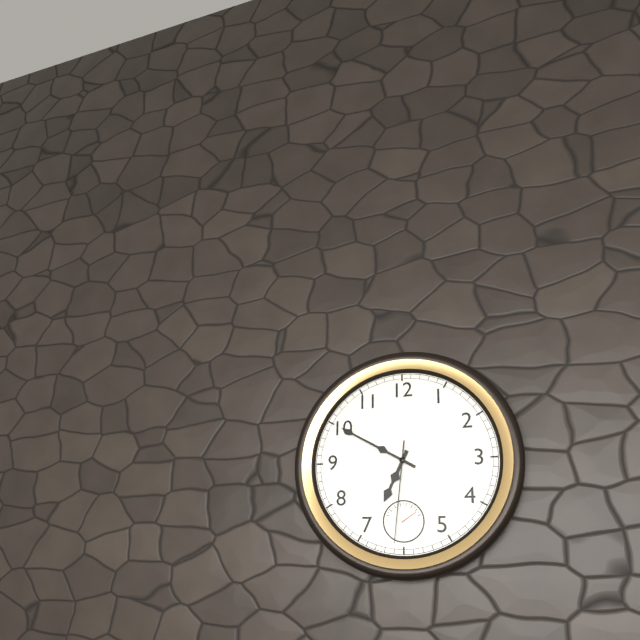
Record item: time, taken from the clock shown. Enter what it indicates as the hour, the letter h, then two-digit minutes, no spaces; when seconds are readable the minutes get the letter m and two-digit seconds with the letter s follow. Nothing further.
6h50m31s
